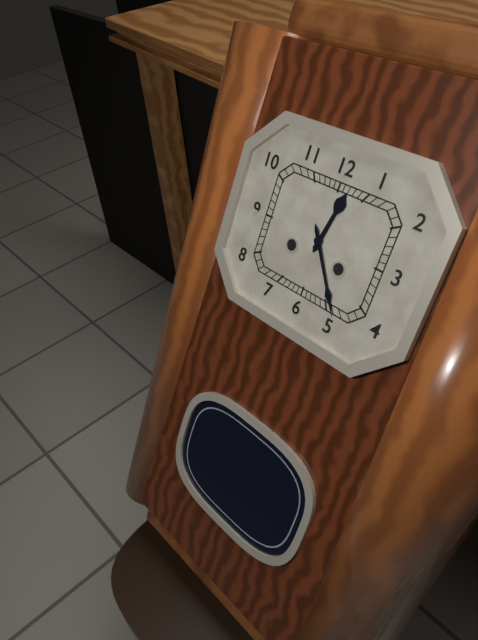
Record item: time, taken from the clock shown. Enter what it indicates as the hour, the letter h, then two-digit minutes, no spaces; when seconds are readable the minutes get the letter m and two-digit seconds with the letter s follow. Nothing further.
12h24
